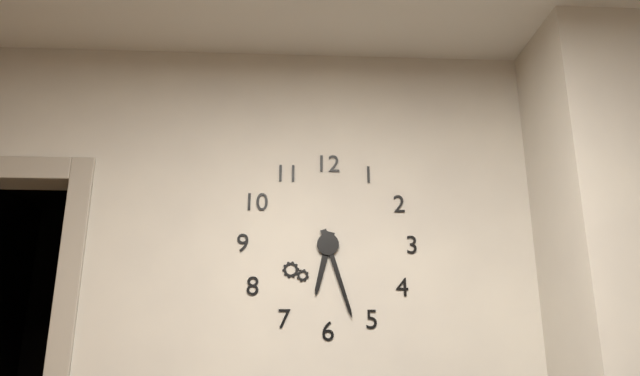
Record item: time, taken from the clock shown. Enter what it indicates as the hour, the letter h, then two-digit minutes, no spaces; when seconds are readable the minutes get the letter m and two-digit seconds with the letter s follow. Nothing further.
6h27
